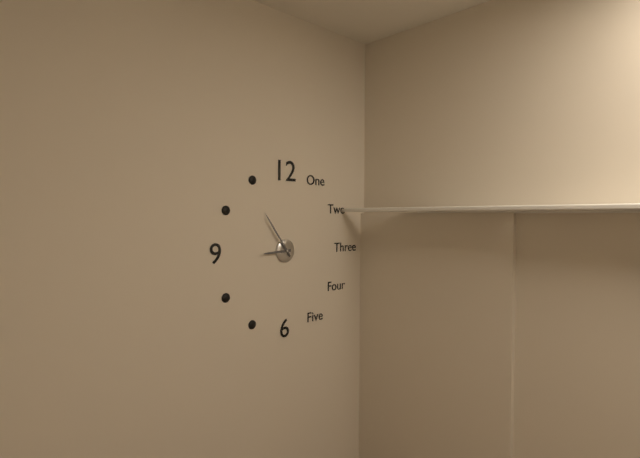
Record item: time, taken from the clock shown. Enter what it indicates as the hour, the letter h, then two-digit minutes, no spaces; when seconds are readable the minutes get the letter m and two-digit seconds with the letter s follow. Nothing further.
8h54
